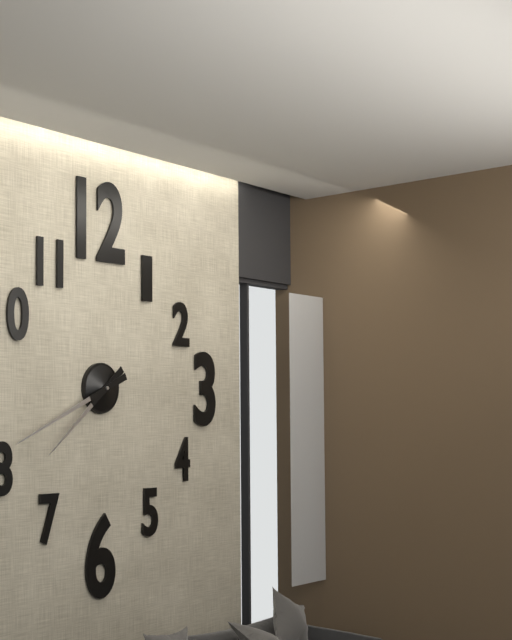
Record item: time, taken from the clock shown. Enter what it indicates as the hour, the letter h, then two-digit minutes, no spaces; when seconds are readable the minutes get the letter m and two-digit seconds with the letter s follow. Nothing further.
7h41
